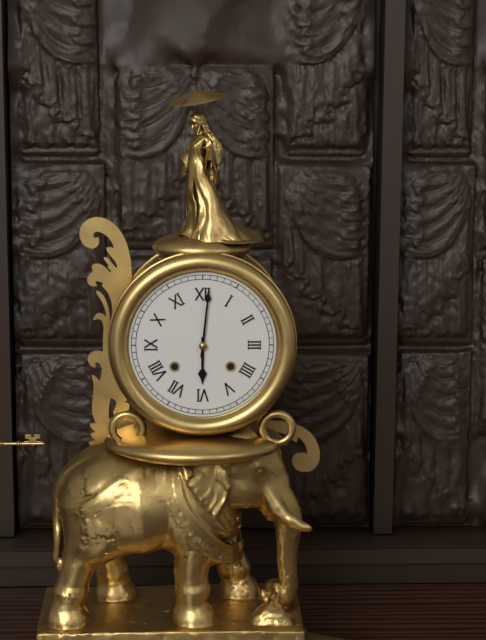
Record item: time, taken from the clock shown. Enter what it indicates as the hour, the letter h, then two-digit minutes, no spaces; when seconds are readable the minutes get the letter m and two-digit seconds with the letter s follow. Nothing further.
6h01
